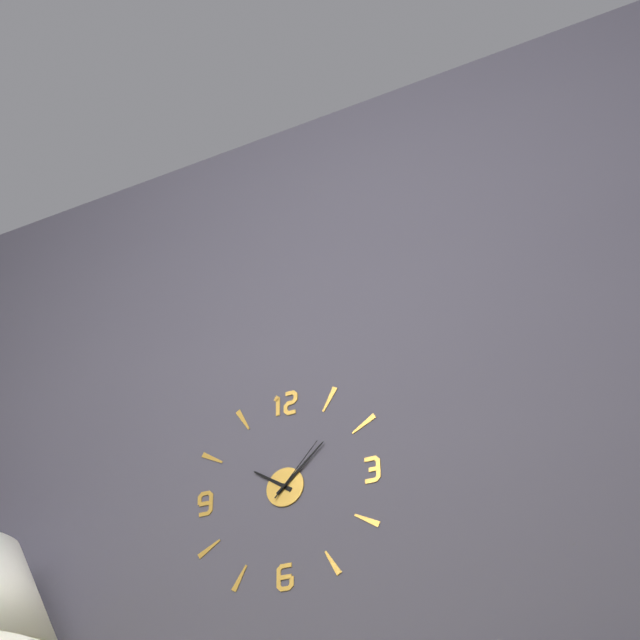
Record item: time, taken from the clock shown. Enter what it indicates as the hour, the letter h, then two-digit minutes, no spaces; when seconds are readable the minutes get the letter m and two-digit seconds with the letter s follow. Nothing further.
10h08m07s
